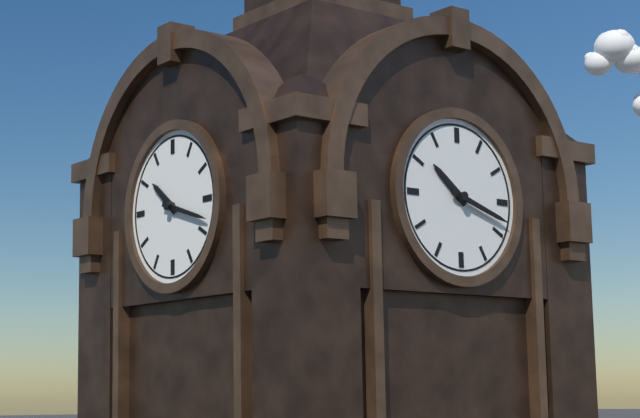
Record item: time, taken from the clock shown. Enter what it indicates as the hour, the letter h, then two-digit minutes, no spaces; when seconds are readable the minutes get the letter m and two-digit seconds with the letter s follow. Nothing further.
10h18
